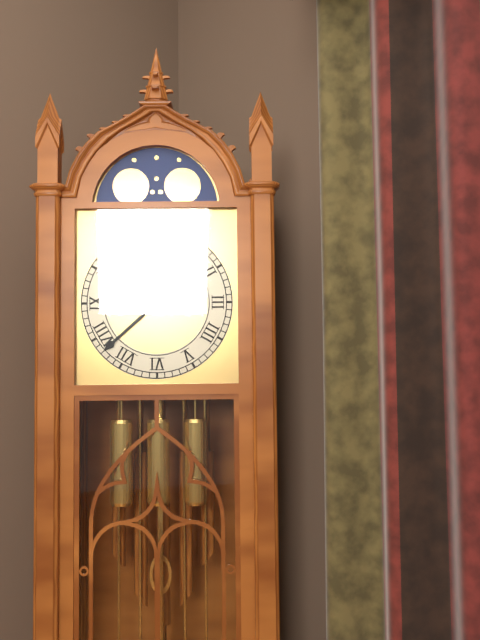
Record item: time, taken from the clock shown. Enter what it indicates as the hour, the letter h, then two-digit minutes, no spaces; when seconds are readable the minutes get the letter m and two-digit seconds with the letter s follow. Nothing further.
10h38
